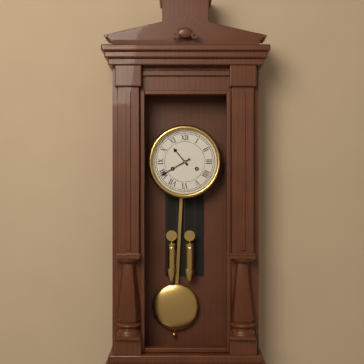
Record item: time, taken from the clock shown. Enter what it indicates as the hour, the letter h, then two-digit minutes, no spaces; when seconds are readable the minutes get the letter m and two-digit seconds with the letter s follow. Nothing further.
10h40
